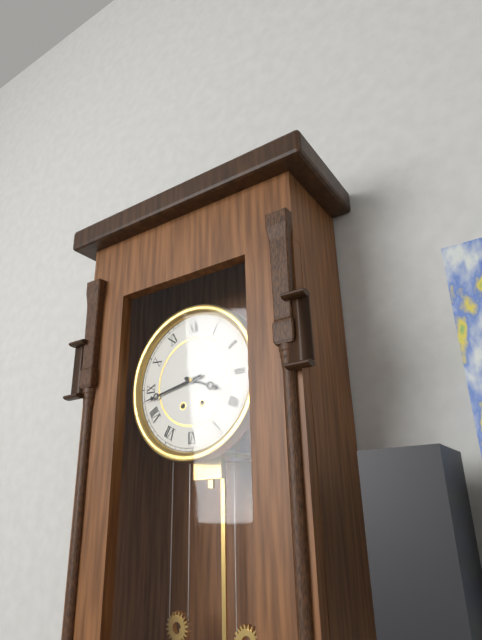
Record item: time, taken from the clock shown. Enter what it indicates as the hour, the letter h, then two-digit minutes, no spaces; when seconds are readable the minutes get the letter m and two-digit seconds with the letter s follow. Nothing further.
3h43
